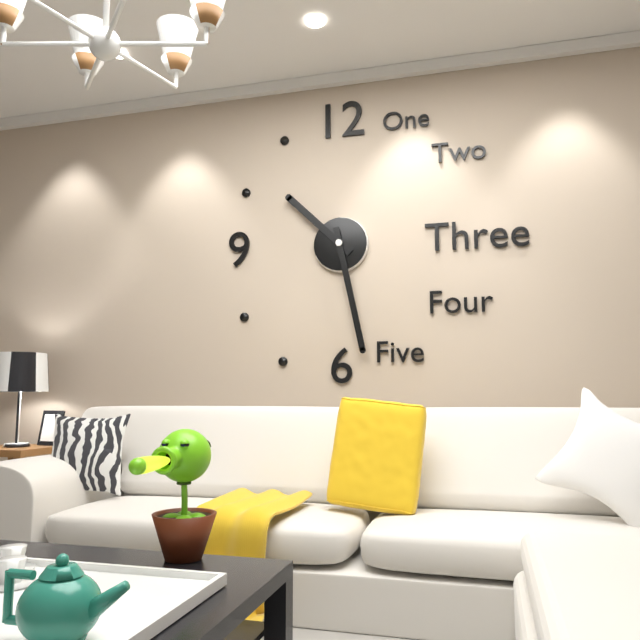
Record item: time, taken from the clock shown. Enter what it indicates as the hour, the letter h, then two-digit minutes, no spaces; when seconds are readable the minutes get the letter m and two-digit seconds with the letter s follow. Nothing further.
10h28
